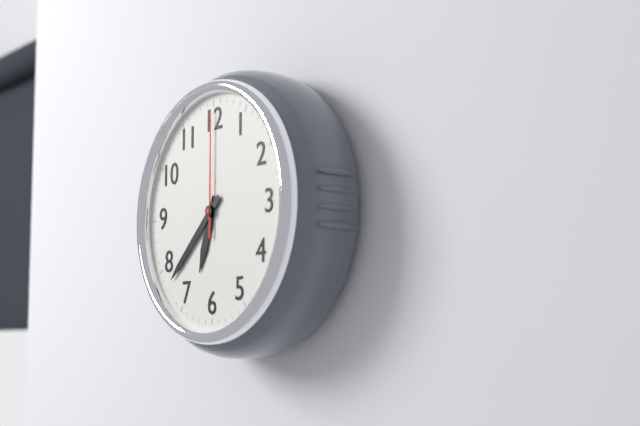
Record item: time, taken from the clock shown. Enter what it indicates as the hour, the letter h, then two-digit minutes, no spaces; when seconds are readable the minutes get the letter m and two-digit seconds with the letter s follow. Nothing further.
6h38m00s
